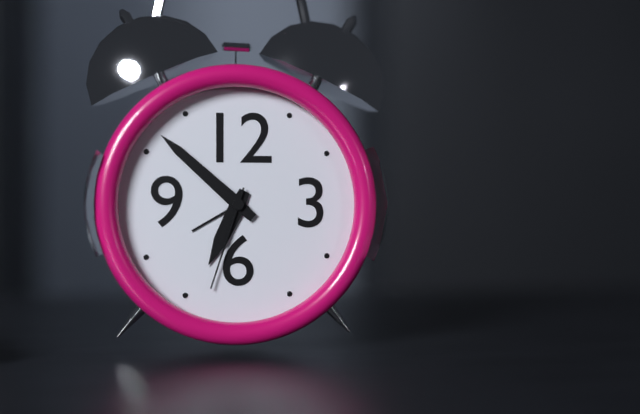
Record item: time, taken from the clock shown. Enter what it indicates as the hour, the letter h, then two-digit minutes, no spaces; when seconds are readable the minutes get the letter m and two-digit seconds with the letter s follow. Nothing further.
6h52m33s
